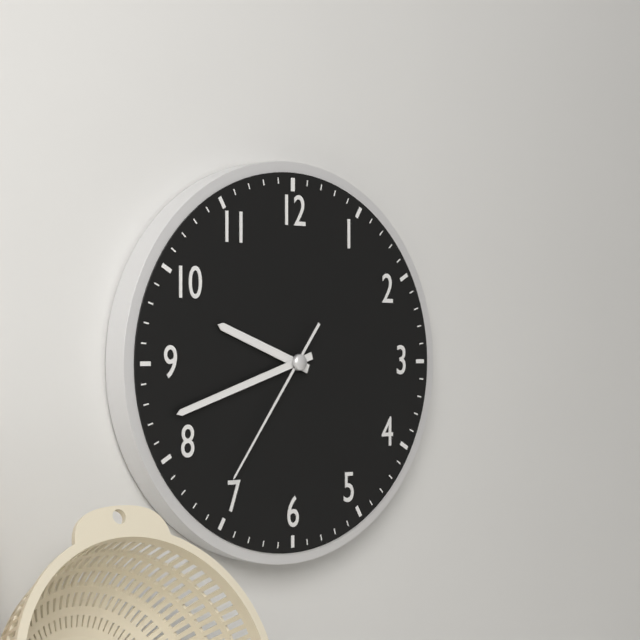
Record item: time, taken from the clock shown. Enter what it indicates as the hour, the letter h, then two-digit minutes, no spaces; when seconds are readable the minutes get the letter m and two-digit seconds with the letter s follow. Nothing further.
9h42m36s
